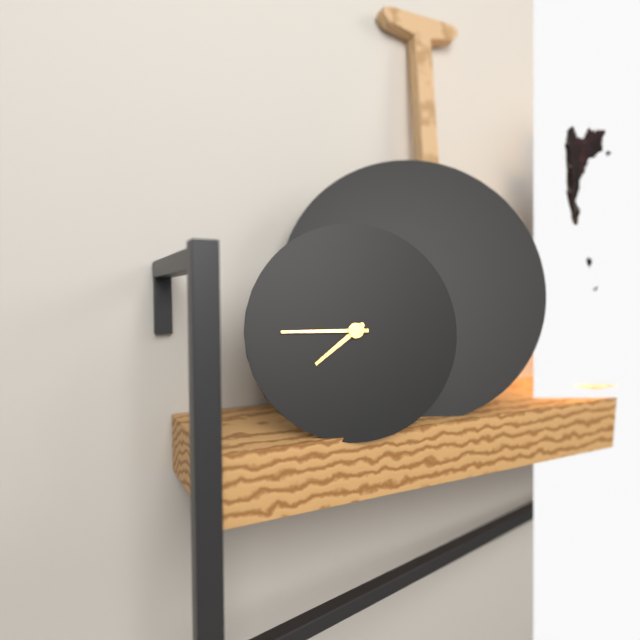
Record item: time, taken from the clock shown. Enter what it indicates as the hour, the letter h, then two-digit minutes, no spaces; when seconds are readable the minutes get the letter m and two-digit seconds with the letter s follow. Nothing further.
7h45
